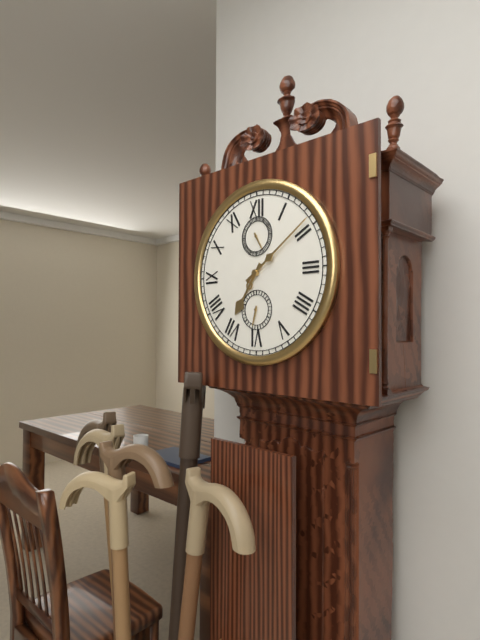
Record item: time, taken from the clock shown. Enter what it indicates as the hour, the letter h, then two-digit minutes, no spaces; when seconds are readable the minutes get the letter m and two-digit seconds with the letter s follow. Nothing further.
7h09
